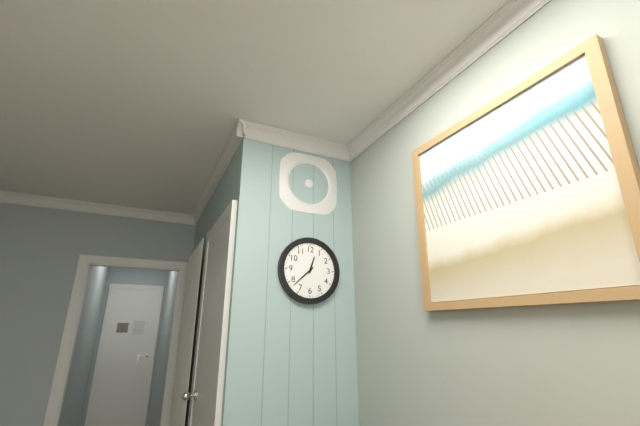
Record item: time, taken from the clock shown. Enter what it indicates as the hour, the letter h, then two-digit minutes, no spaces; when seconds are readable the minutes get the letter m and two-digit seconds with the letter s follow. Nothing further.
12h38
